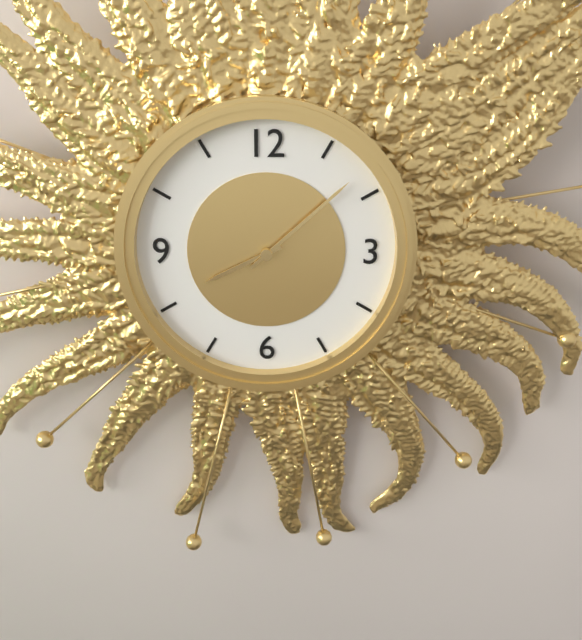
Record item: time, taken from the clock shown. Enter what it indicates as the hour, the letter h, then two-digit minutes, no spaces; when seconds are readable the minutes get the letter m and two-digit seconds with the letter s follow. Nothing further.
8h08
